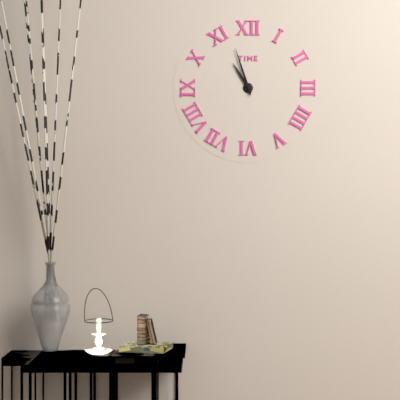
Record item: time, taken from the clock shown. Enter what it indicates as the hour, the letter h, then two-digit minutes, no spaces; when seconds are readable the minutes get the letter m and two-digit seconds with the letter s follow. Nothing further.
10h57
